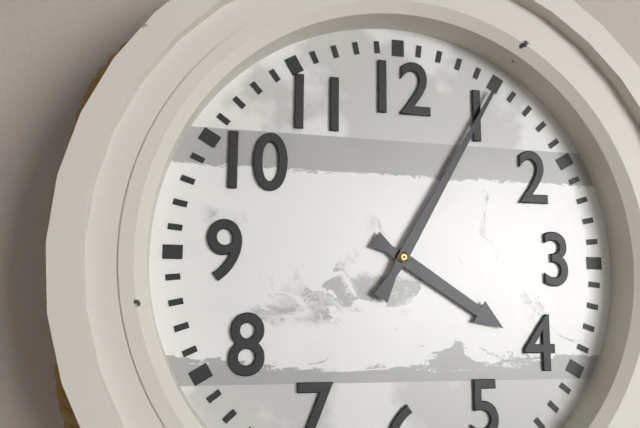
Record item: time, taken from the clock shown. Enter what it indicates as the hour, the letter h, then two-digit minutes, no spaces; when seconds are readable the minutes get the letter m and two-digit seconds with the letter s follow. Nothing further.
4h05
